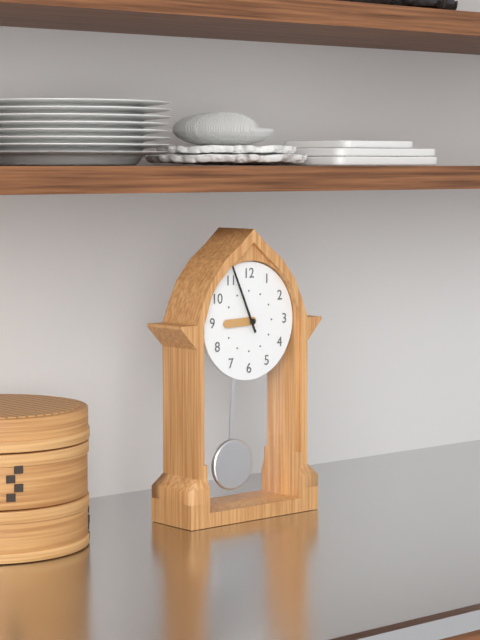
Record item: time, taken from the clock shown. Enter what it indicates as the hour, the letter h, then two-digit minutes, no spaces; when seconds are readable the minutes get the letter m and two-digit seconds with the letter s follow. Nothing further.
8h56
